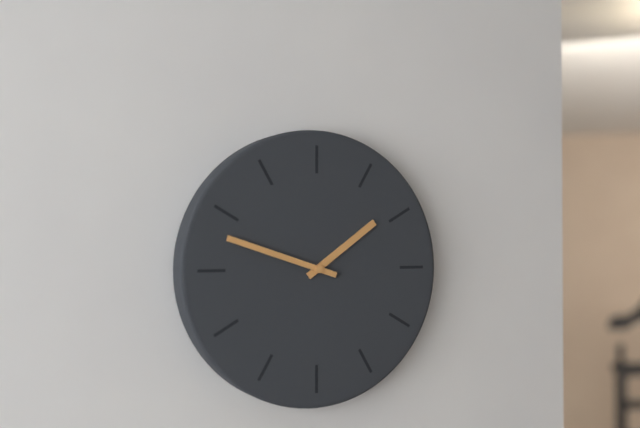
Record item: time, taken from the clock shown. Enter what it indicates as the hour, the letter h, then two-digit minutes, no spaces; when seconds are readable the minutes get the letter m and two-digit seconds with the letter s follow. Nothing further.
1h48
